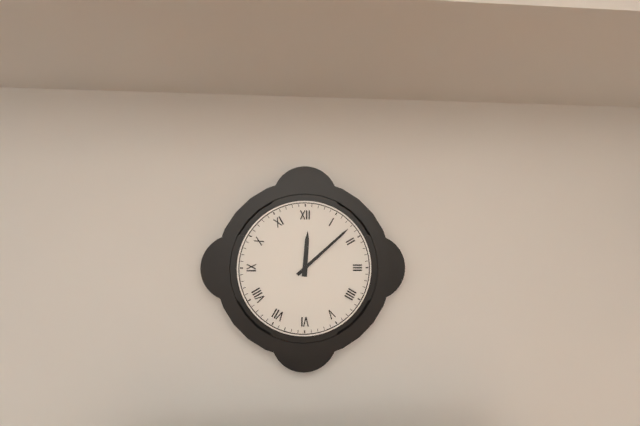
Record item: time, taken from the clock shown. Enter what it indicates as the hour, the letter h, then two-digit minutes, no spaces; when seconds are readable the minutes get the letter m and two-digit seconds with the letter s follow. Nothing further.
12h08
